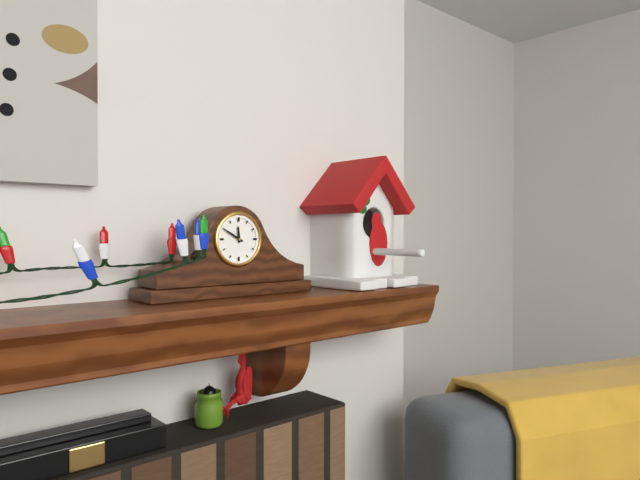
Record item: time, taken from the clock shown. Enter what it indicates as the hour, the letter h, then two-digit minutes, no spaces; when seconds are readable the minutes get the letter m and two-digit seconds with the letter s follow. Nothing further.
11h50
